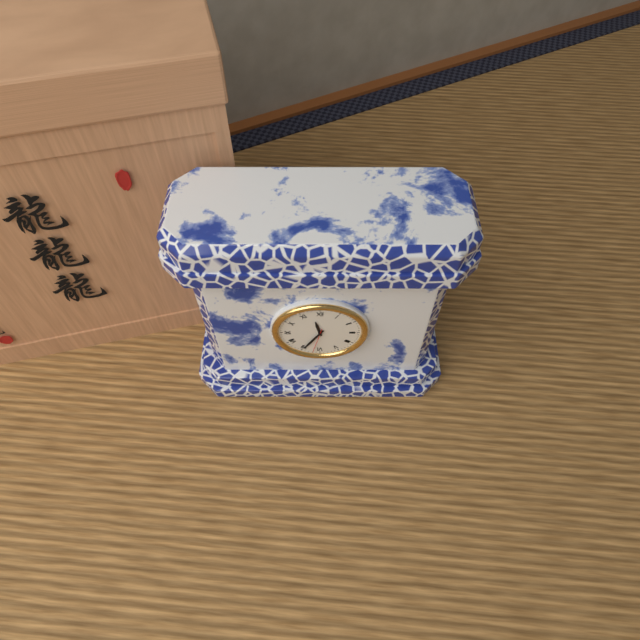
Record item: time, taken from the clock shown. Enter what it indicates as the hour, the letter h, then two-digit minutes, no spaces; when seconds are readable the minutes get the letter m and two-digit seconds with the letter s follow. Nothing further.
11h35m32s
